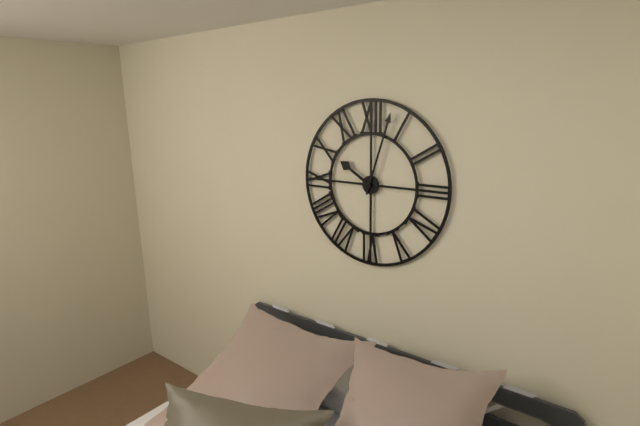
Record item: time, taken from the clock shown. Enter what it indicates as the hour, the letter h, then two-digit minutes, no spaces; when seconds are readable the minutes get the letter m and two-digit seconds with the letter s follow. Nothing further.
10h03
